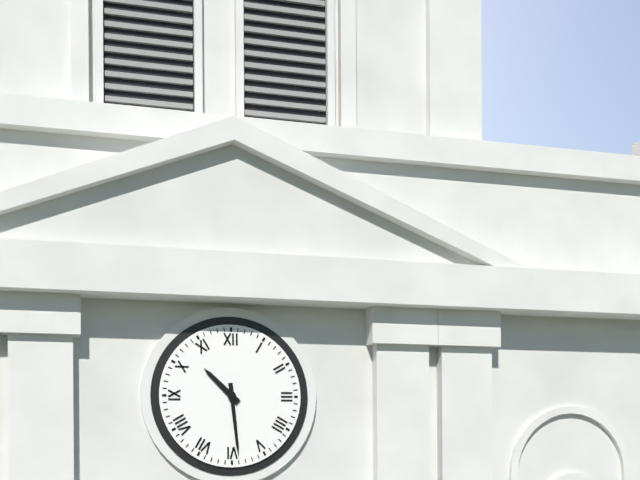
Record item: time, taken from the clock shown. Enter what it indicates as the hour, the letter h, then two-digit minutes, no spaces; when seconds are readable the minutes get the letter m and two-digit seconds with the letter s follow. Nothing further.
10h29
